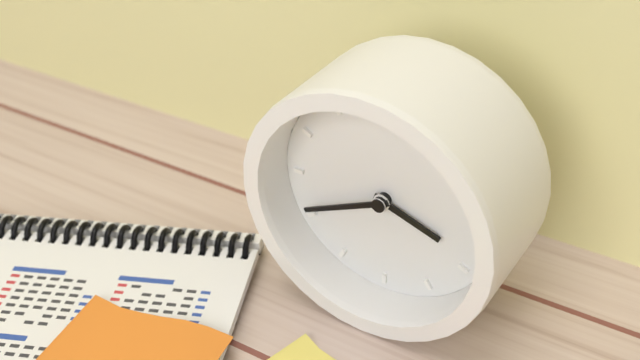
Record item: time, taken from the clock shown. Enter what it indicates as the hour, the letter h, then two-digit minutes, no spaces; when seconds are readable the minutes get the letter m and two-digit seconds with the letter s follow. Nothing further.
3h41
